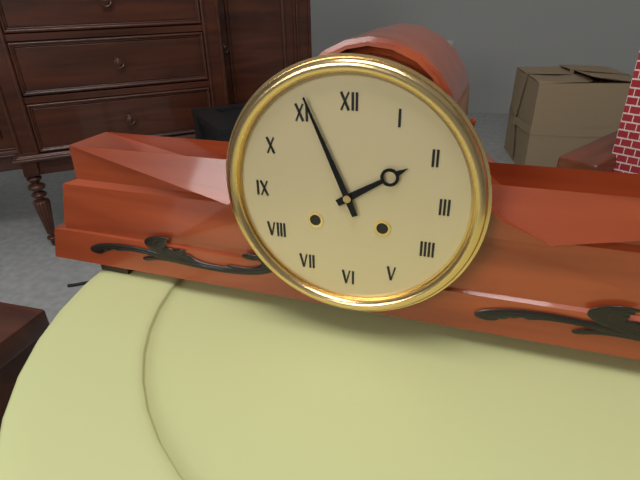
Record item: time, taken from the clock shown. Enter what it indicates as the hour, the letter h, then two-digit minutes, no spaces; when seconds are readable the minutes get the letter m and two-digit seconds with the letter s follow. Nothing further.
1h56
